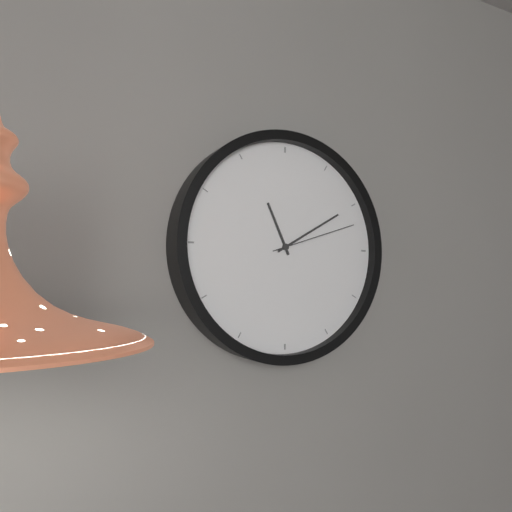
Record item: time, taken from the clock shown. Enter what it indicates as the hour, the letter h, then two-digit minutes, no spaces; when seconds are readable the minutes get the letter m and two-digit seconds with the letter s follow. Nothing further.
11h10m12s
